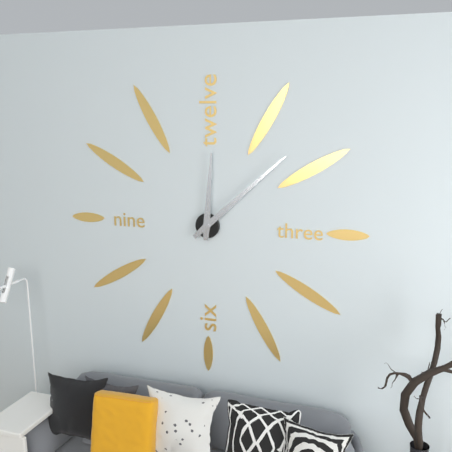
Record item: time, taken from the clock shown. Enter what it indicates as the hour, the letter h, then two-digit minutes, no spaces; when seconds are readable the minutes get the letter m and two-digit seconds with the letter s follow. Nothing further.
12h08
